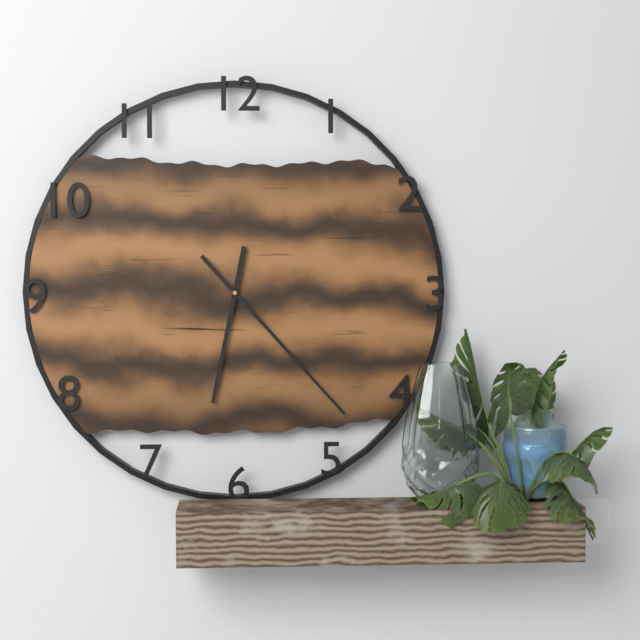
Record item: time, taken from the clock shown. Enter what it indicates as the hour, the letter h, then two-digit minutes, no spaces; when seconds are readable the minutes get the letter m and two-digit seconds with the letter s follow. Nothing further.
6h23
